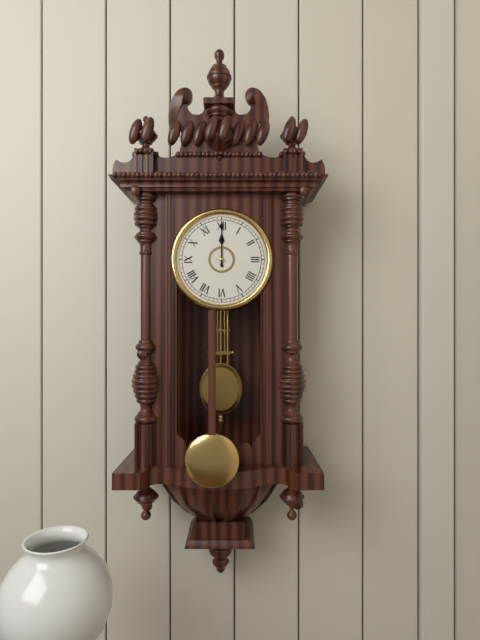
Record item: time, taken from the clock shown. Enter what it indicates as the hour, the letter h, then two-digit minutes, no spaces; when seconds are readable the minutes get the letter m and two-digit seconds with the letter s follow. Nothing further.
12h00
